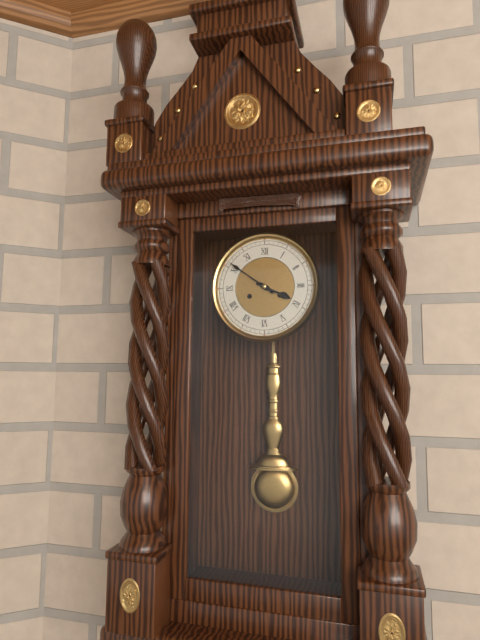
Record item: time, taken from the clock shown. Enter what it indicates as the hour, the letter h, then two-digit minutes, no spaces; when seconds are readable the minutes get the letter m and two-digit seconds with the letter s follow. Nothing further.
3h51
